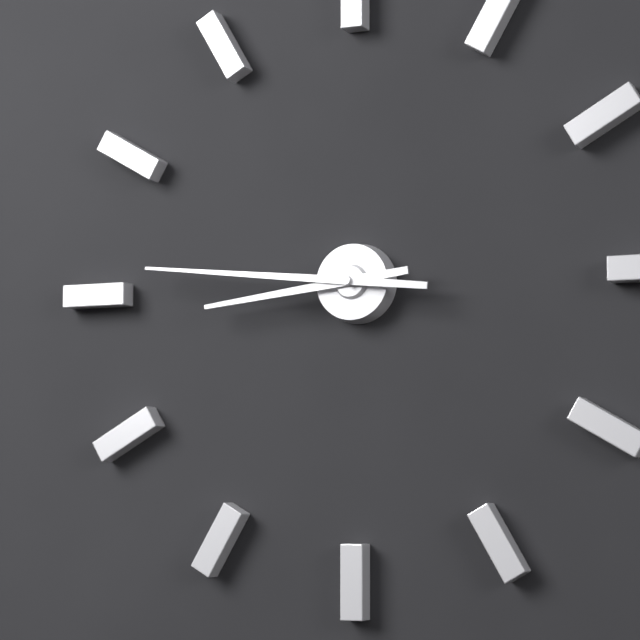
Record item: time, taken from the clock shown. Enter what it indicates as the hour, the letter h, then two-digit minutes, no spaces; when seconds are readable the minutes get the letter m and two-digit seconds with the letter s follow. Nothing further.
8h46
